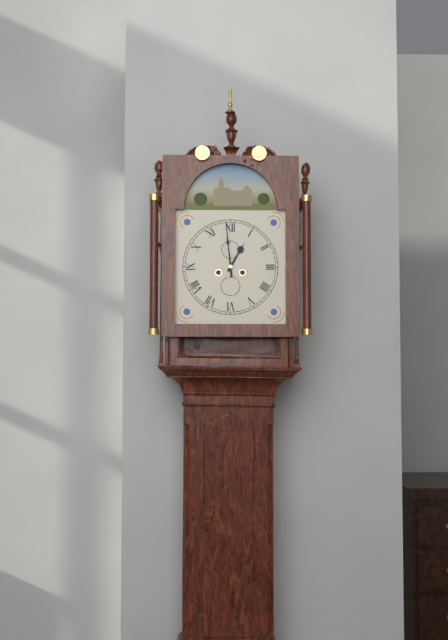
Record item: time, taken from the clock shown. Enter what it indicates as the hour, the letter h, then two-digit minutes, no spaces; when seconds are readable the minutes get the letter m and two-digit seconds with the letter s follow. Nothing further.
12h59
